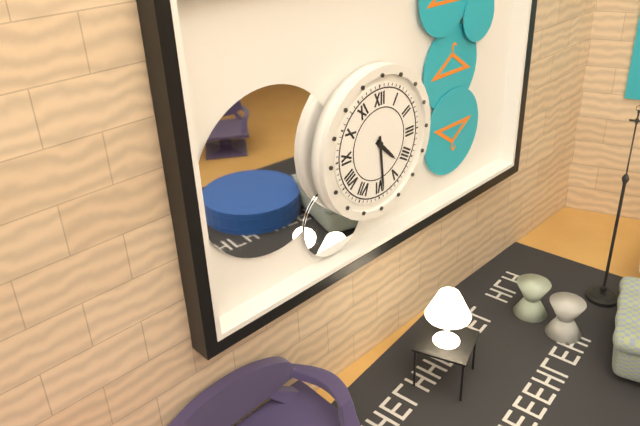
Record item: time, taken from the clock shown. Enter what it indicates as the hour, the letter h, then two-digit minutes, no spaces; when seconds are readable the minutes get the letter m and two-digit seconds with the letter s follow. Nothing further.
4h29
